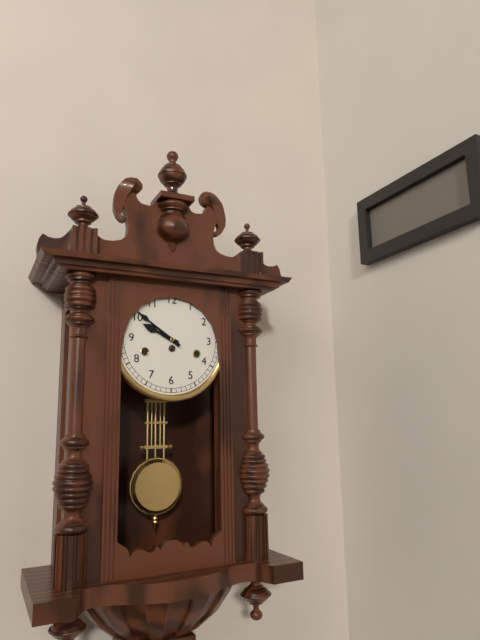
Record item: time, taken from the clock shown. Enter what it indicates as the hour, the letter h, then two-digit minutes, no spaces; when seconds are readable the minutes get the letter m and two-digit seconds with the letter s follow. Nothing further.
9h51
